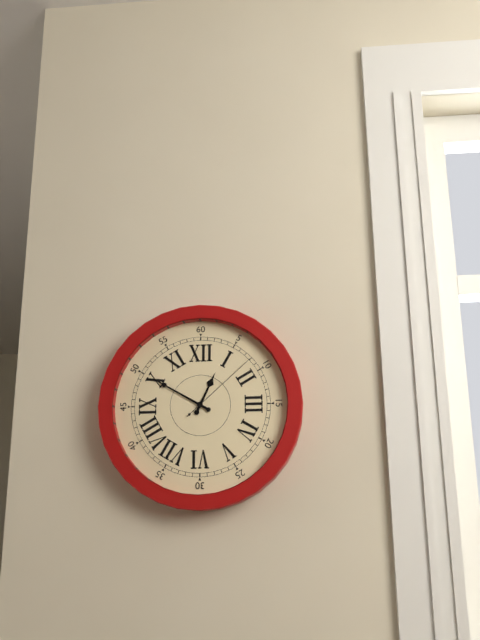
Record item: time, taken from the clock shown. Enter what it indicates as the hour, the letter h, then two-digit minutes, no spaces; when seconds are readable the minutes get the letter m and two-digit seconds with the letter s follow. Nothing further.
12h50m08s
